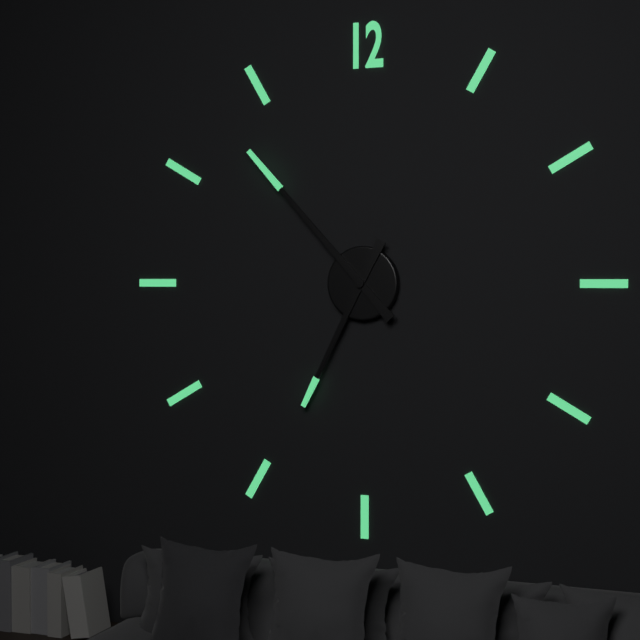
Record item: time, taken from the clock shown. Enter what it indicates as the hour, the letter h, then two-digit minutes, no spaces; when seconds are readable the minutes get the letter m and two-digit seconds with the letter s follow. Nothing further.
6h53
